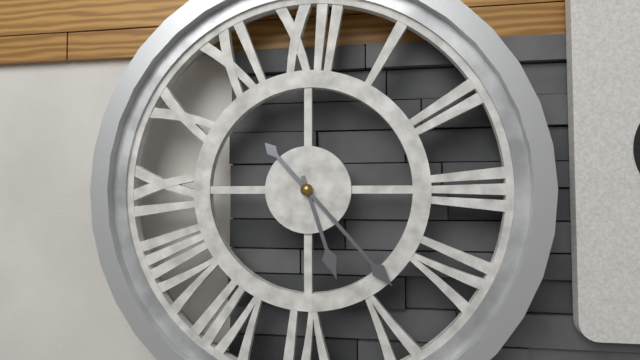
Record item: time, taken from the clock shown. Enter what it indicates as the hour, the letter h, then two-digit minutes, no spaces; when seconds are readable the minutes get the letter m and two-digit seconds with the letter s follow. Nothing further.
5h23
